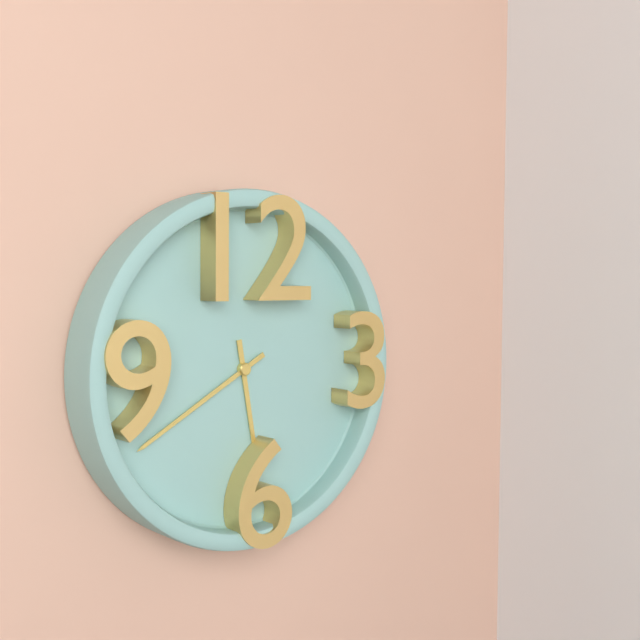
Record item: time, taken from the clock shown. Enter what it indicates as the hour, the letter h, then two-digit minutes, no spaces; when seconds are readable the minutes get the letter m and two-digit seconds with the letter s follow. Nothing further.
5h40
